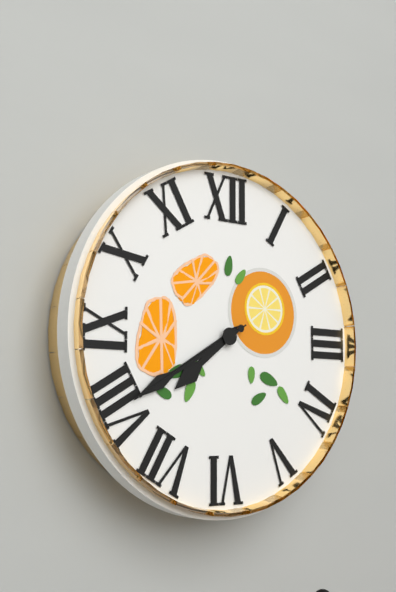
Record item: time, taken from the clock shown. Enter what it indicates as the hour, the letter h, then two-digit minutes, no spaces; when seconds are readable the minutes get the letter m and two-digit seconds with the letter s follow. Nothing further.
7h40m40s
